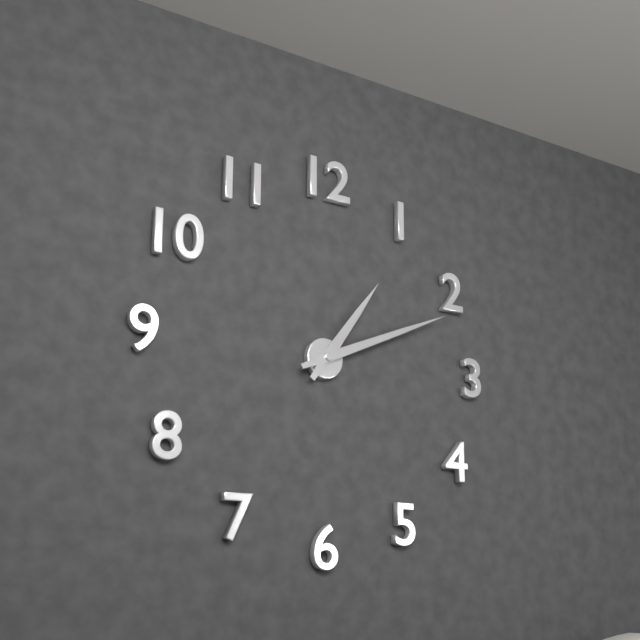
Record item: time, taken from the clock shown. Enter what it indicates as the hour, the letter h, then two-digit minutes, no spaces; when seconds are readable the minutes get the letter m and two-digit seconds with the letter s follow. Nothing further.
1h11
